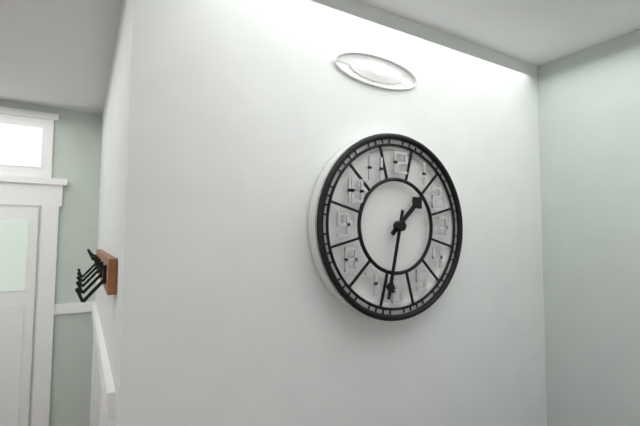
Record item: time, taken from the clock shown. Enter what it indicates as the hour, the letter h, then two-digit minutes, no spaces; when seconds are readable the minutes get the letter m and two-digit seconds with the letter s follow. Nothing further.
1h32
